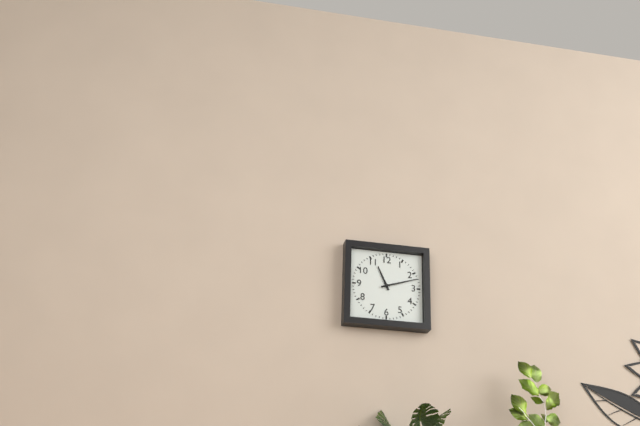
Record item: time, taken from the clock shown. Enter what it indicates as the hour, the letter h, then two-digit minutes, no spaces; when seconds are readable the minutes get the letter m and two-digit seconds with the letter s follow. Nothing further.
11h12
